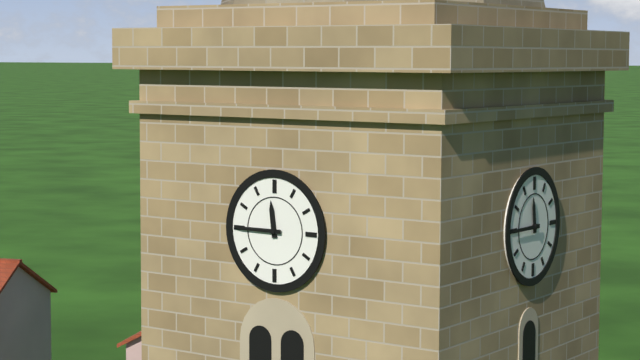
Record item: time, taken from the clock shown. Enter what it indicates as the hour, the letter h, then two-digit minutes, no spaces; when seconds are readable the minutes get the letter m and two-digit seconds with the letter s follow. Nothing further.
11h45
